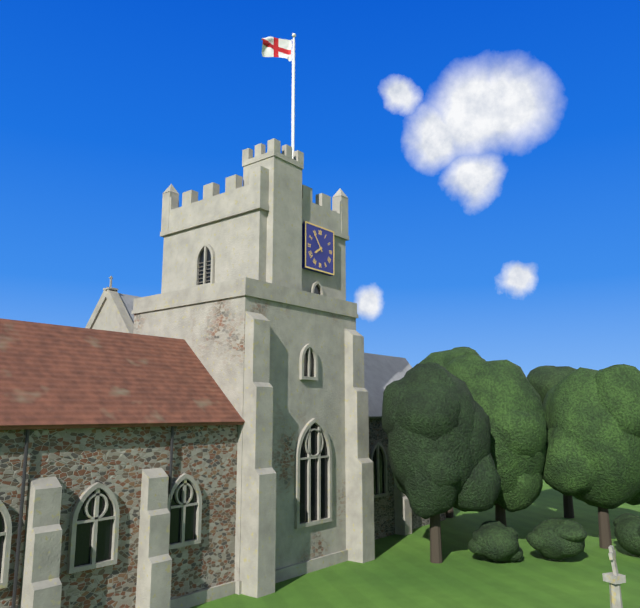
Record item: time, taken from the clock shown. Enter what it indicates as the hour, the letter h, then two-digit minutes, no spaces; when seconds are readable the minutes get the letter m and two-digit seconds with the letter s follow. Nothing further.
7h54
